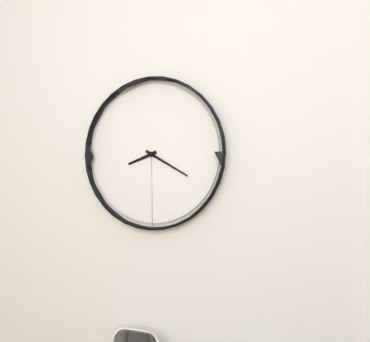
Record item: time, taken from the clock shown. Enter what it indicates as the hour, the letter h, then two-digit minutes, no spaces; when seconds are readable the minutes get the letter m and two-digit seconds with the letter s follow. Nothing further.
8h20
